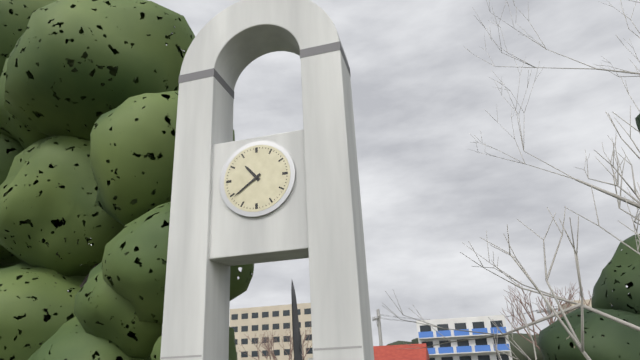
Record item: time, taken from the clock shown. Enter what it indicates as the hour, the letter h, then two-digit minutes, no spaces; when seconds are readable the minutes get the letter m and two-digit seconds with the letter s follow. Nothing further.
10h39
